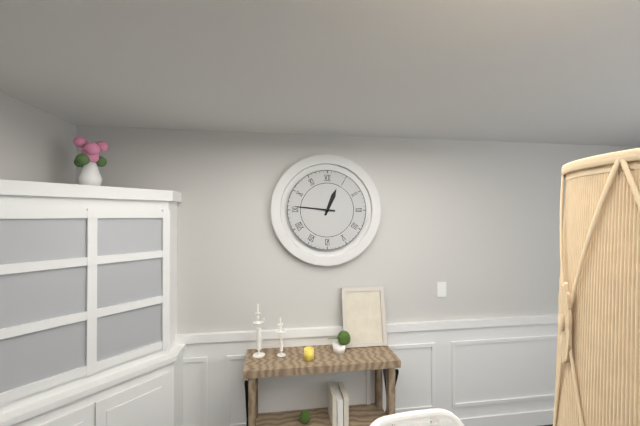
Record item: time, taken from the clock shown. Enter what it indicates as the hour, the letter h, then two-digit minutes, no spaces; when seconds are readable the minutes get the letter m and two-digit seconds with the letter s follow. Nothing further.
12h46
